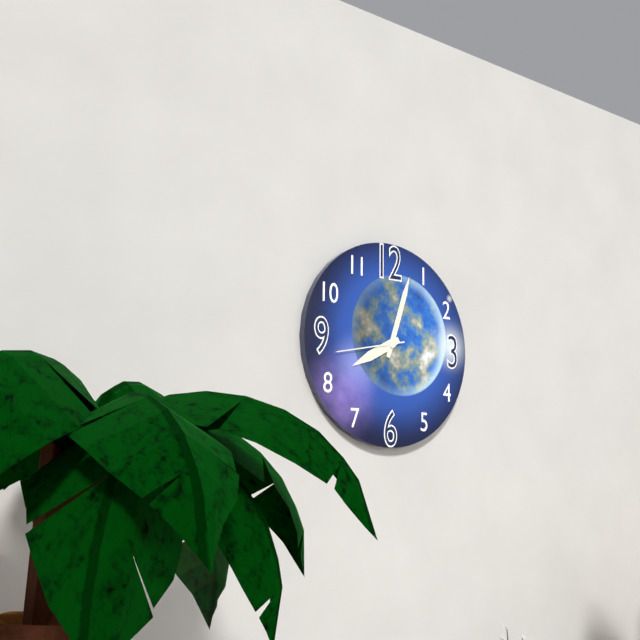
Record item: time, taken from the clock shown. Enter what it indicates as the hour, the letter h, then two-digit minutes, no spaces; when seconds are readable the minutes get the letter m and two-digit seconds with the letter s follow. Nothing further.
8h03m43s
